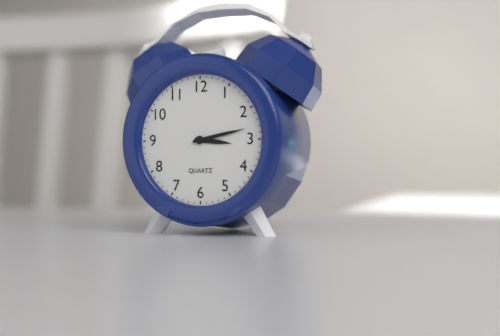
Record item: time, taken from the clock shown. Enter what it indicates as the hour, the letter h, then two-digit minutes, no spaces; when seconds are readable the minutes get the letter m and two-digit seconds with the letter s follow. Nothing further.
3h13
